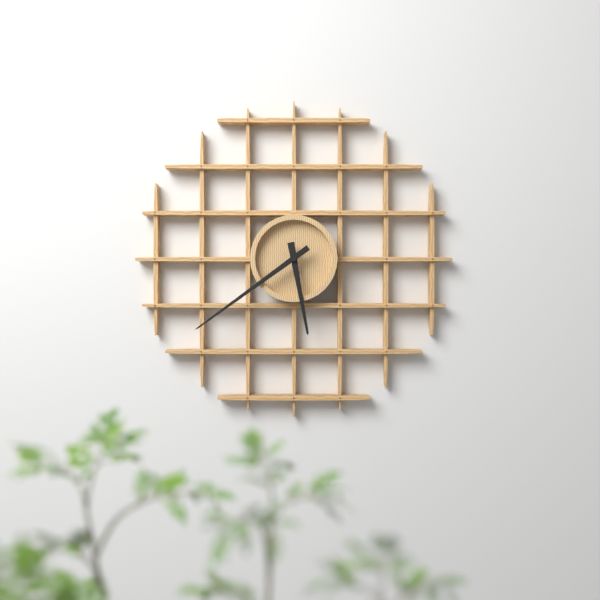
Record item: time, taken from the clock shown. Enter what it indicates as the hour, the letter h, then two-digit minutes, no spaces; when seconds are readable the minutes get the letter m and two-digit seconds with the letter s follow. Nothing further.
5h39
